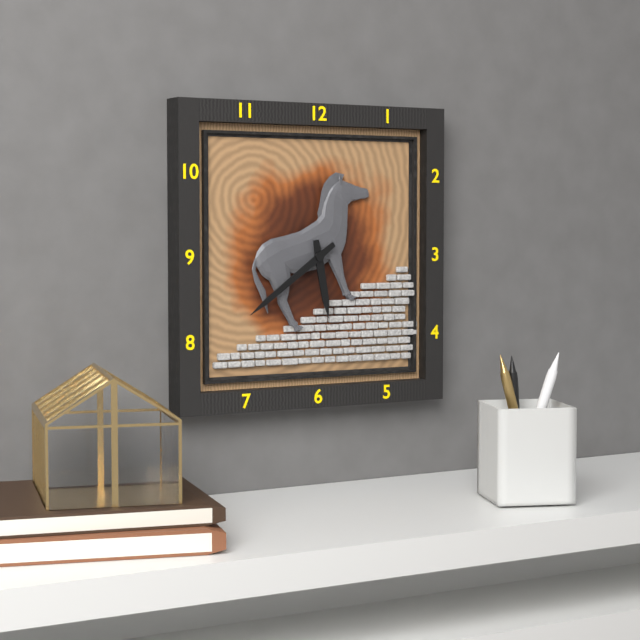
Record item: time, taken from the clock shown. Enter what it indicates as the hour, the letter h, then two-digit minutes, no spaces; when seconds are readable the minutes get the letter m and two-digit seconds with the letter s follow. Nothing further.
5h39
